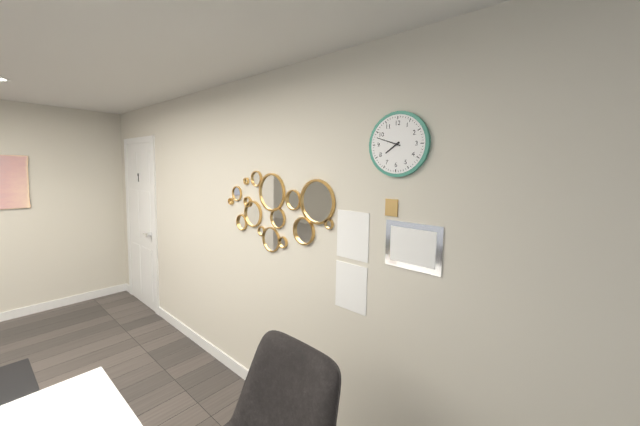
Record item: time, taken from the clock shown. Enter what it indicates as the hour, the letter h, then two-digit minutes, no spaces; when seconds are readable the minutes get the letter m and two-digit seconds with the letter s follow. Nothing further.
7h48
